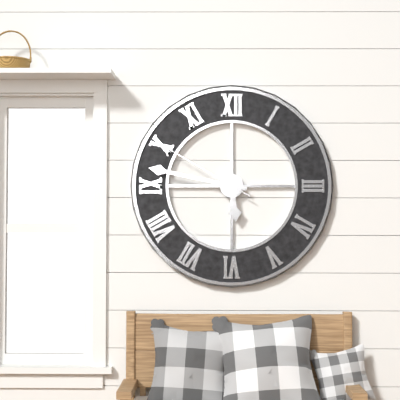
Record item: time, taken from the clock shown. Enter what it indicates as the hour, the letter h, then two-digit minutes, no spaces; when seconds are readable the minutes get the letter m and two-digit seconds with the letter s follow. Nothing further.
5h47m50s
